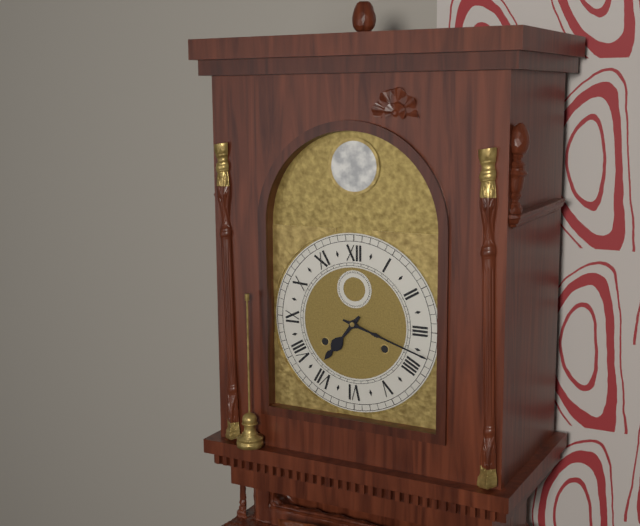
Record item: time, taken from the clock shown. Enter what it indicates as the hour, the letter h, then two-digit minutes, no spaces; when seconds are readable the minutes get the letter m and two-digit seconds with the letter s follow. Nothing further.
7h18
